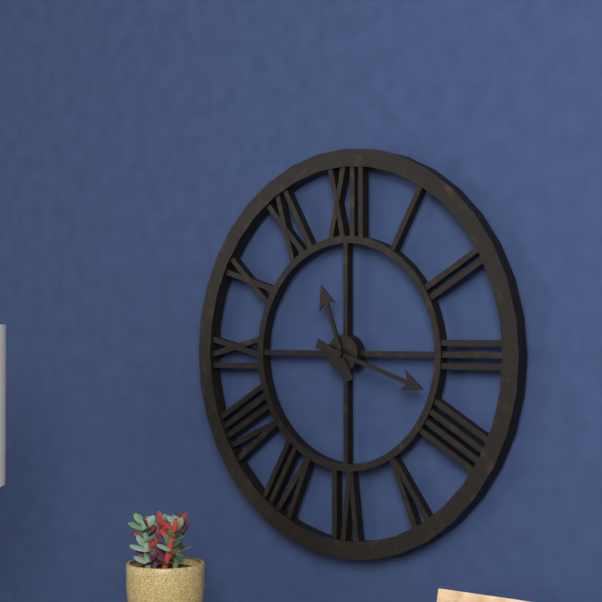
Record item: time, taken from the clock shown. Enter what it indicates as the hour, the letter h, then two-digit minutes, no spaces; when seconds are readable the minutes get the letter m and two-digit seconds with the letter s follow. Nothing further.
11h18
